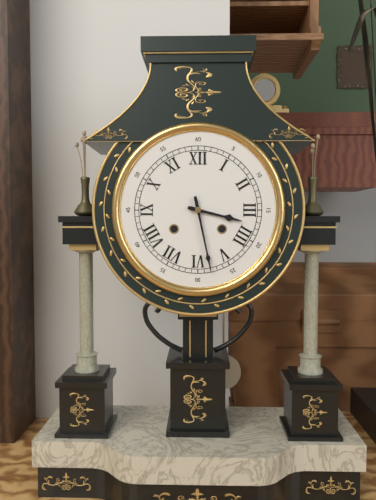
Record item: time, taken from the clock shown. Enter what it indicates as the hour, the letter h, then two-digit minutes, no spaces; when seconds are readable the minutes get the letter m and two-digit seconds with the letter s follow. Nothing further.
3h28
